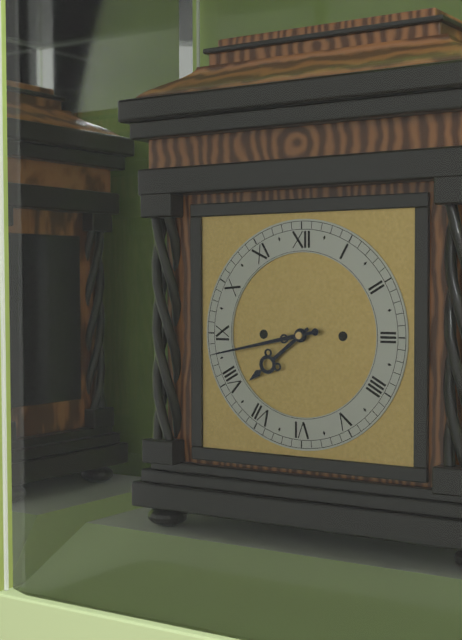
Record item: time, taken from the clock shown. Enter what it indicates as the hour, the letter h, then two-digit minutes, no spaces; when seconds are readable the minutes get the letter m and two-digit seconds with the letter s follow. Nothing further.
7h43
